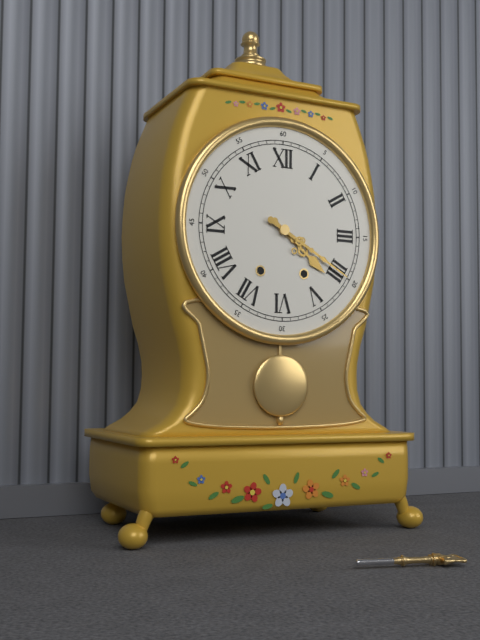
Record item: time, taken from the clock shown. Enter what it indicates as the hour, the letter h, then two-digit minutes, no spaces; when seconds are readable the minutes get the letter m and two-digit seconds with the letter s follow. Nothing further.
4h20
